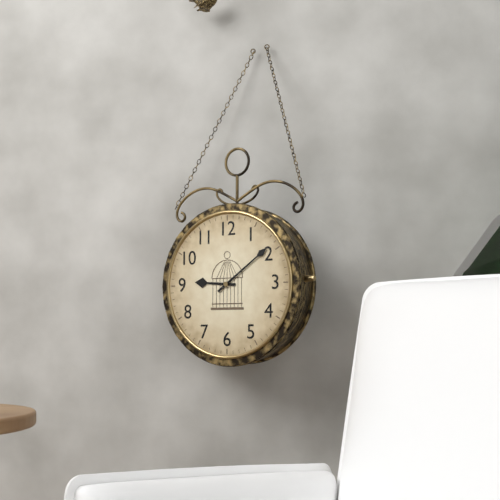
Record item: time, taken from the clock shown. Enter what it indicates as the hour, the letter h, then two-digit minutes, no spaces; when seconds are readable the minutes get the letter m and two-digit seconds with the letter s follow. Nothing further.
9h09
